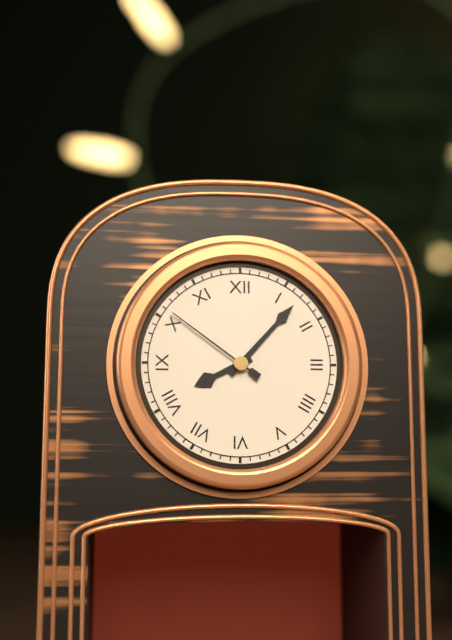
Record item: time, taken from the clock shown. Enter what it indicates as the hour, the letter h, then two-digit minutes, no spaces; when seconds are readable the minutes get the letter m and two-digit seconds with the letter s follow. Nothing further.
8h07m51s
